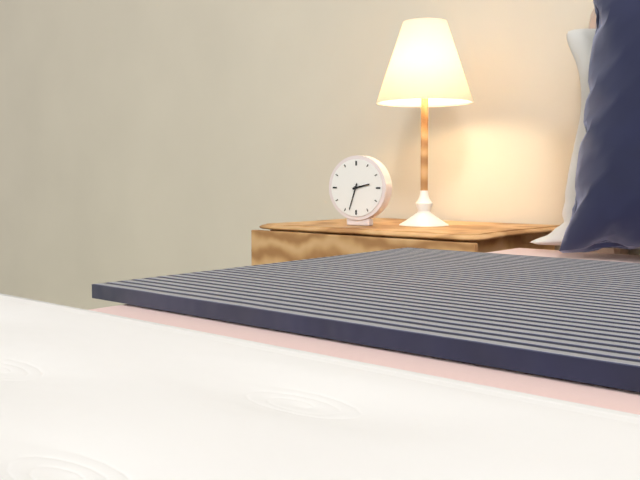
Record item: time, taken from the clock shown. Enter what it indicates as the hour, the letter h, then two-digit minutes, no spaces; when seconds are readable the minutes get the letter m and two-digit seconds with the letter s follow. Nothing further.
2h33
